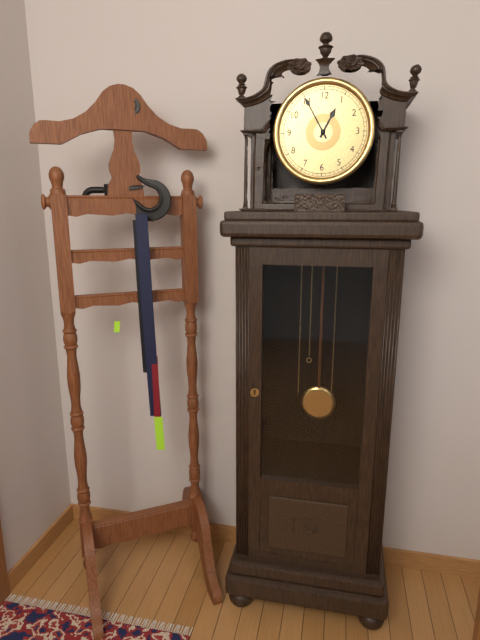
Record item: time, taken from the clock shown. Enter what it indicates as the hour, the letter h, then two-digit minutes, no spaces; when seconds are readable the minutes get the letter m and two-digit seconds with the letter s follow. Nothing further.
12h55
